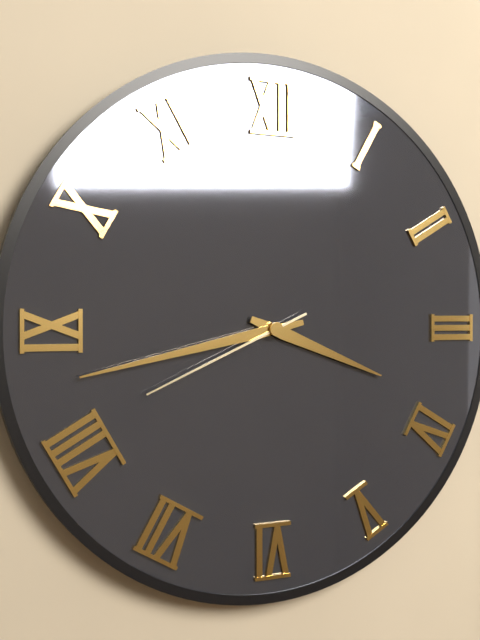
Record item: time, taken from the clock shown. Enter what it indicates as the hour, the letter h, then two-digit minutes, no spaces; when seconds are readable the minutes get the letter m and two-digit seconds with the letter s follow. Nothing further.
3h43m41s
